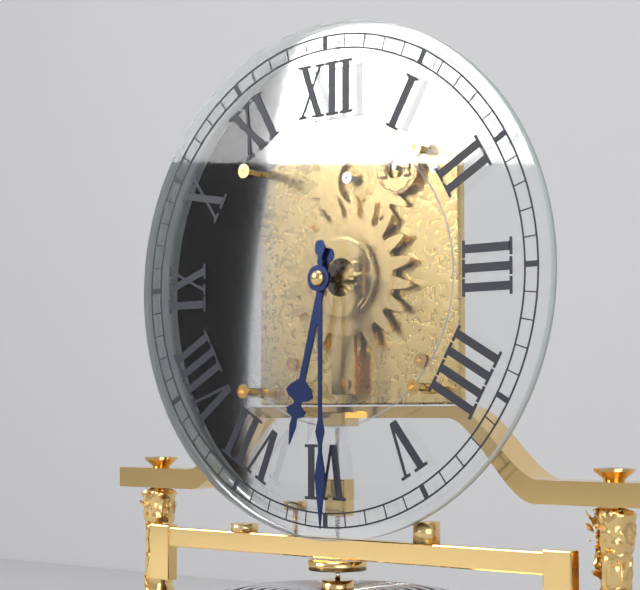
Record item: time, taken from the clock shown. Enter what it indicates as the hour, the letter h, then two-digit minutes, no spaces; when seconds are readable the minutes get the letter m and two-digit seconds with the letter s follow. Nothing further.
6h30
